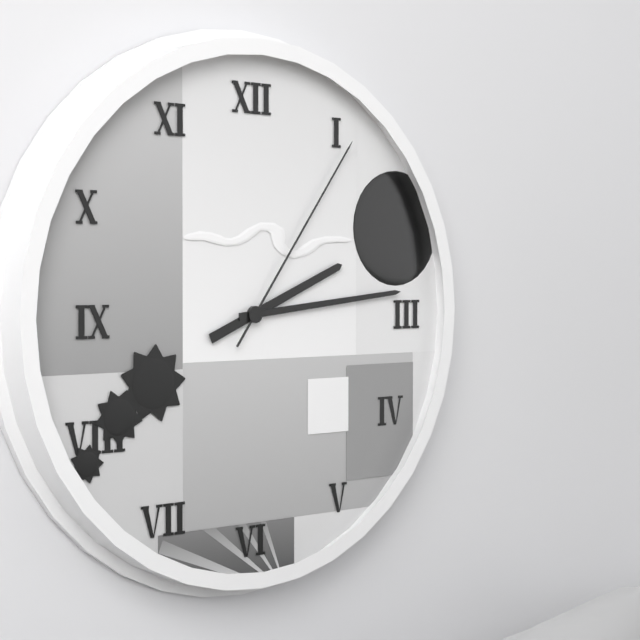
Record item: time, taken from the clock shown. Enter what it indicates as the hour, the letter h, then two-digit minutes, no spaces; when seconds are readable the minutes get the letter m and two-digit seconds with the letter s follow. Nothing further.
2h14m06s
